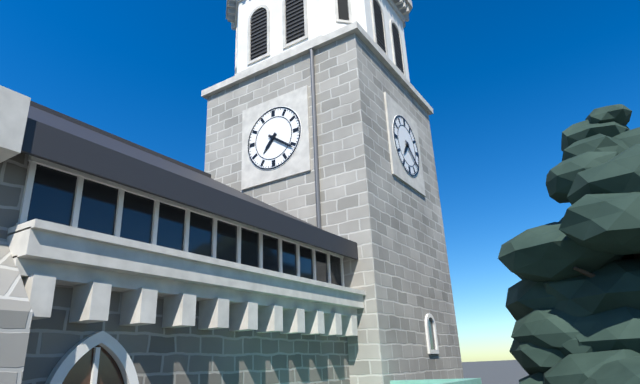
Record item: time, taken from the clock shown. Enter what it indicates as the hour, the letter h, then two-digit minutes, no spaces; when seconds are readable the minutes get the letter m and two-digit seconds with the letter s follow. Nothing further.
7h21
